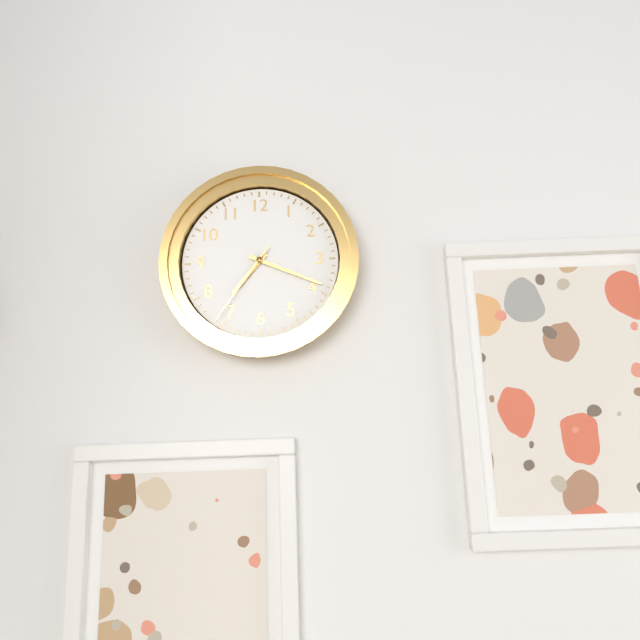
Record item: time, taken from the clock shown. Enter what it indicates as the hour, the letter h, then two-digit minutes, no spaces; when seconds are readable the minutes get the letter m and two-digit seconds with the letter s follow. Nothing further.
7h19m36s
